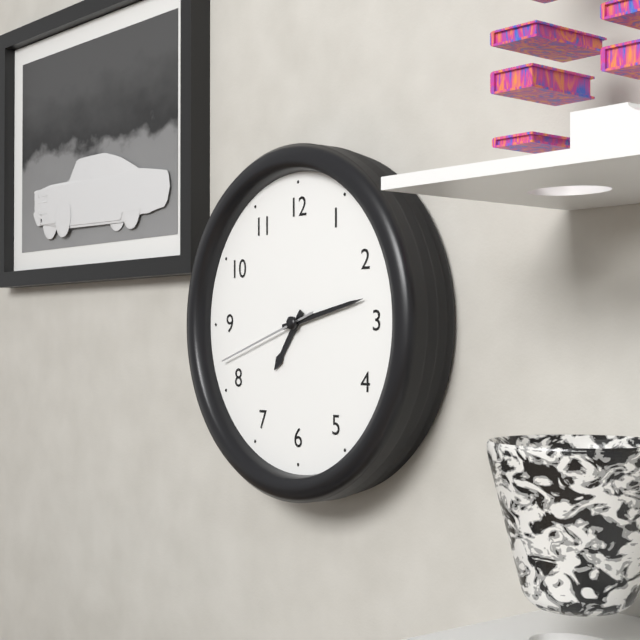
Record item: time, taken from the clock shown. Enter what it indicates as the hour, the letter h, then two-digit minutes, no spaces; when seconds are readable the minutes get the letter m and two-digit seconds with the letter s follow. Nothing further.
7h13m42s
